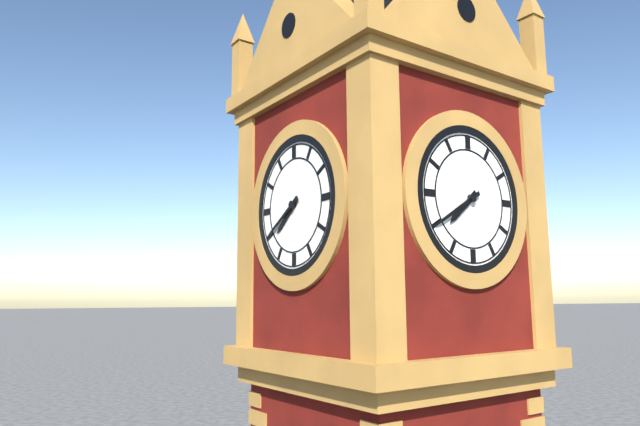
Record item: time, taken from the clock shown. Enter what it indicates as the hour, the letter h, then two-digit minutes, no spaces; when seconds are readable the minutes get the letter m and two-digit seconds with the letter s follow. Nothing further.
7h40
